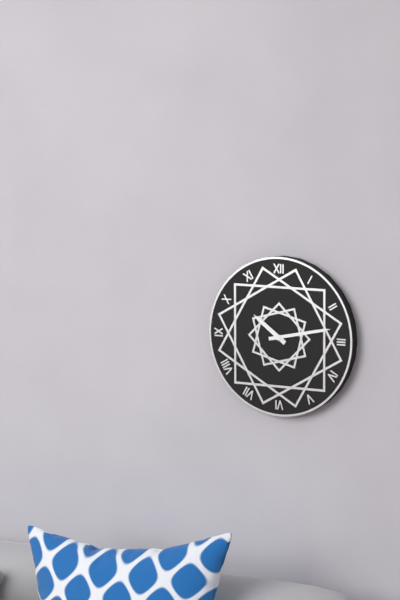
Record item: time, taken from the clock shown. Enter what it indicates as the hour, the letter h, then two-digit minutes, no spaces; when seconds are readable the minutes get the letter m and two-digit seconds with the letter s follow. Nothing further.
10h13
